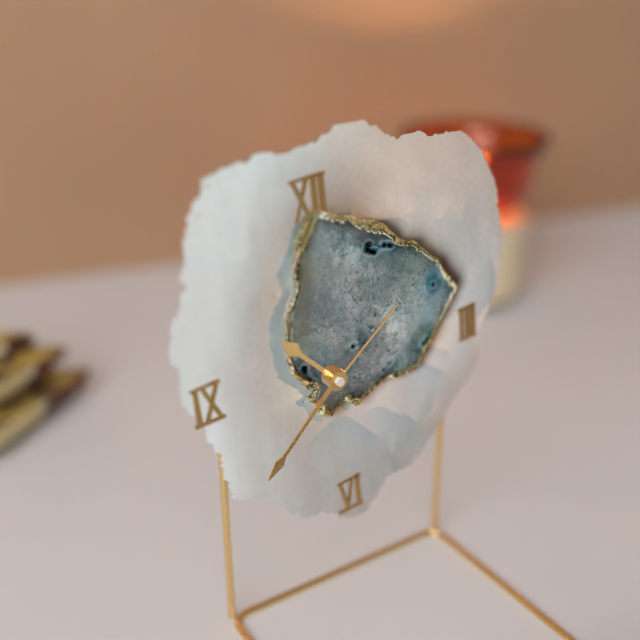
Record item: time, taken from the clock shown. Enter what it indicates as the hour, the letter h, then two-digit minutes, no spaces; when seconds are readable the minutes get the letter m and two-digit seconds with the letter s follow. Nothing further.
10h38m09s
